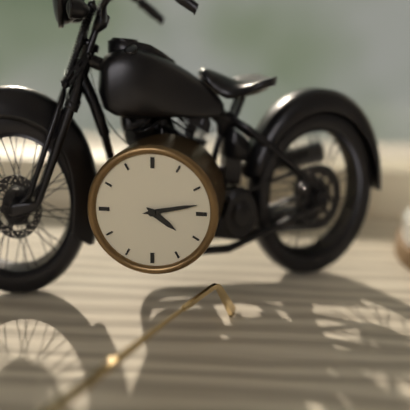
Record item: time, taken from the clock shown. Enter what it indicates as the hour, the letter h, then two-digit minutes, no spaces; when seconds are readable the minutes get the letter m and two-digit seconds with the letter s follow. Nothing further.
4h13
